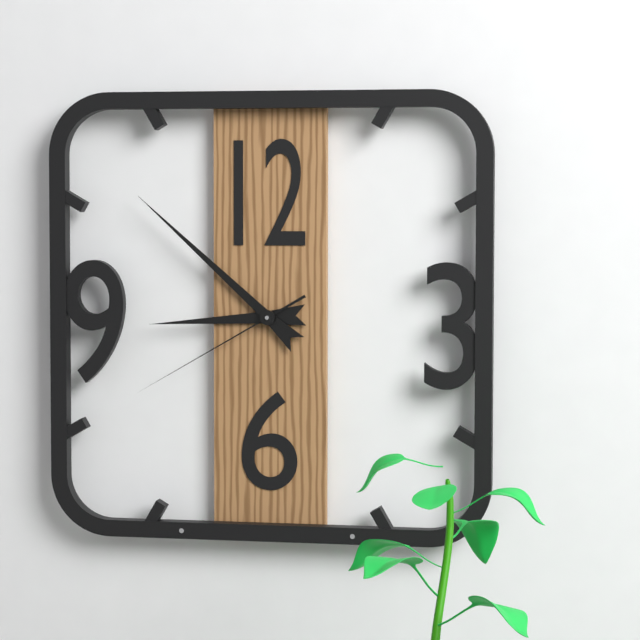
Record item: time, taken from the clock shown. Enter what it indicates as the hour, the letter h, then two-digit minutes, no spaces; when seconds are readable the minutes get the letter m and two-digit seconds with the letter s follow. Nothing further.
8h52m40s
